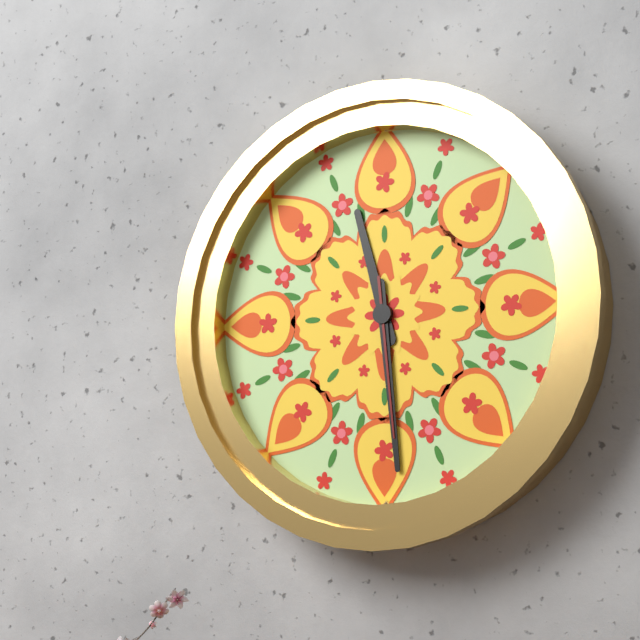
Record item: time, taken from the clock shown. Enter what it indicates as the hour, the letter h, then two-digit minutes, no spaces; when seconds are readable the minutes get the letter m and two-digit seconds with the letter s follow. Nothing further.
11h29m29s
